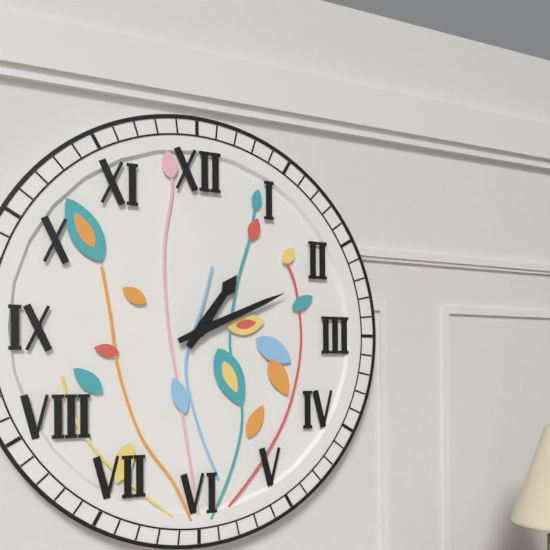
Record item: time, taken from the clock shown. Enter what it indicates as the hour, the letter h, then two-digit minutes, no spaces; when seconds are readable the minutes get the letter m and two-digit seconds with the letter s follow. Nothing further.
1h11
